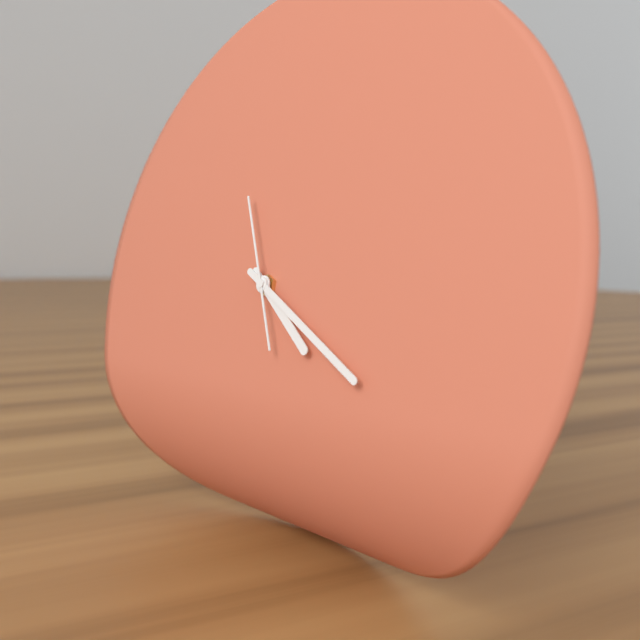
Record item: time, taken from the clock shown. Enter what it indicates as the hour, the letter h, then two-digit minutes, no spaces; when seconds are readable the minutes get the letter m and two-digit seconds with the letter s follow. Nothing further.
4h20m56s
